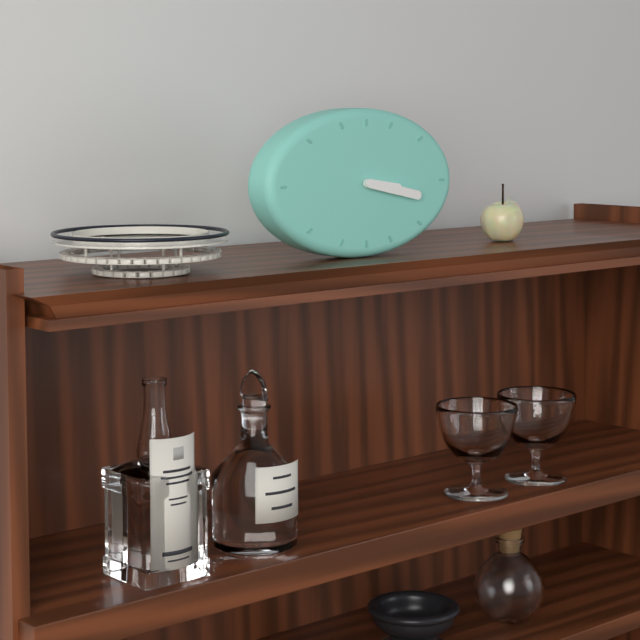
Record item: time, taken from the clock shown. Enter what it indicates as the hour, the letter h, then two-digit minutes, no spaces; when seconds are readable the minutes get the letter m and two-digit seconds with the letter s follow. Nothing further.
3h17
